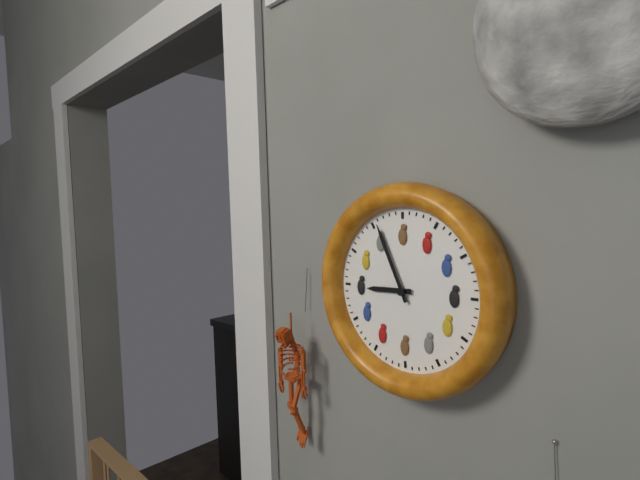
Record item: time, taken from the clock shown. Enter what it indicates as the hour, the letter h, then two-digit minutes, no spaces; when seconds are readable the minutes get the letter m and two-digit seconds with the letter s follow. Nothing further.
8h56
